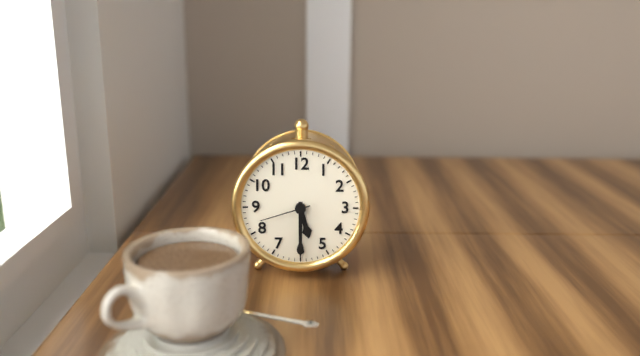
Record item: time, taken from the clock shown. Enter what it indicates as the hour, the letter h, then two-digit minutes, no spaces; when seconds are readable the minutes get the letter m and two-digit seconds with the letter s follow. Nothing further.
5h30m42s
